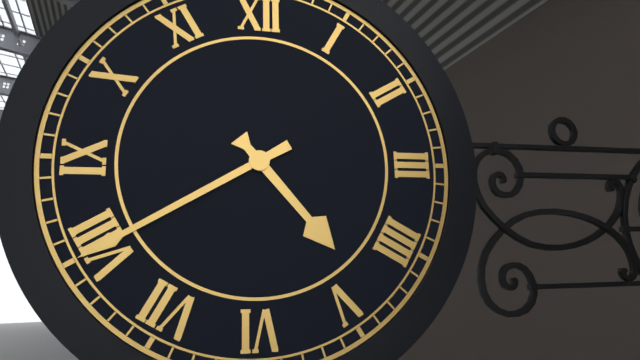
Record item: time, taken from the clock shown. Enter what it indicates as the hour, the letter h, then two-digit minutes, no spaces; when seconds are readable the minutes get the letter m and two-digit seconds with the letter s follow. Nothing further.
4h40
